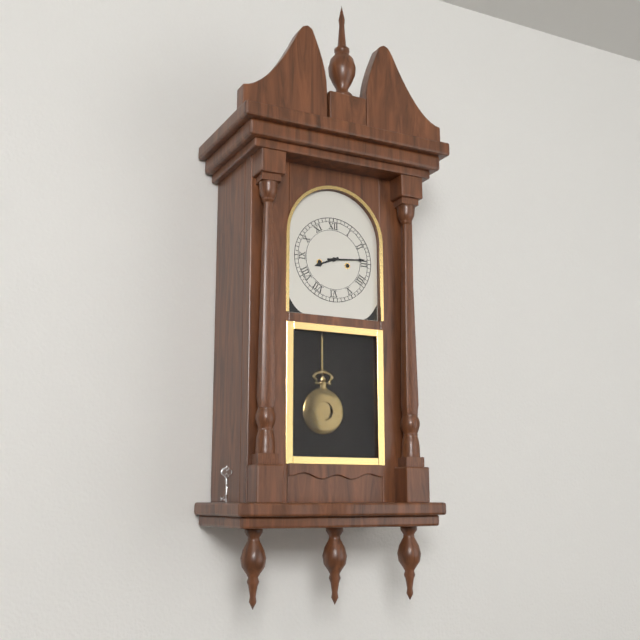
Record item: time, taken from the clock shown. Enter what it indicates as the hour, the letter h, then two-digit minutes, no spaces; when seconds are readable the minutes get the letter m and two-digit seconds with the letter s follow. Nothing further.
8h14
